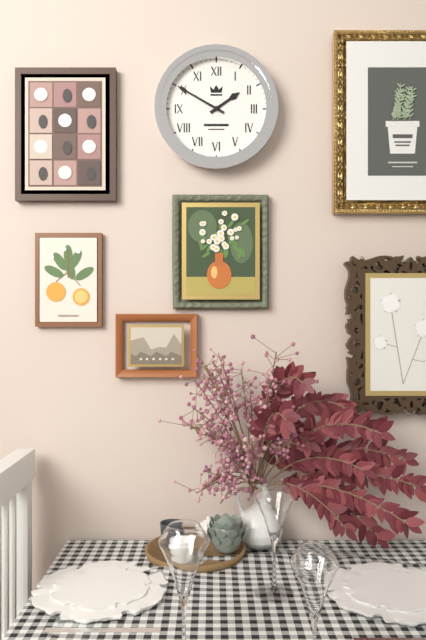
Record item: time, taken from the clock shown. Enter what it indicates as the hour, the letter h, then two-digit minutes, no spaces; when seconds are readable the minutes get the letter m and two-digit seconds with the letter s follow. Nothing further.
1h50
